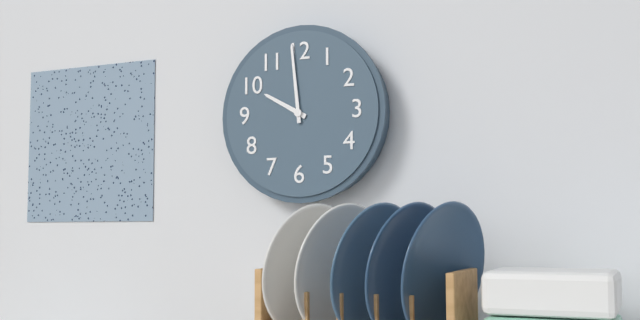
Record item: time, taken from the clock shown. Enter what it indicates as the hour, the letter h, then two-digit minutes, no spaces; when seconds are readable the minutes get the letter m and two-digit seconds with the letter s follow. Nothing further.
9h59
